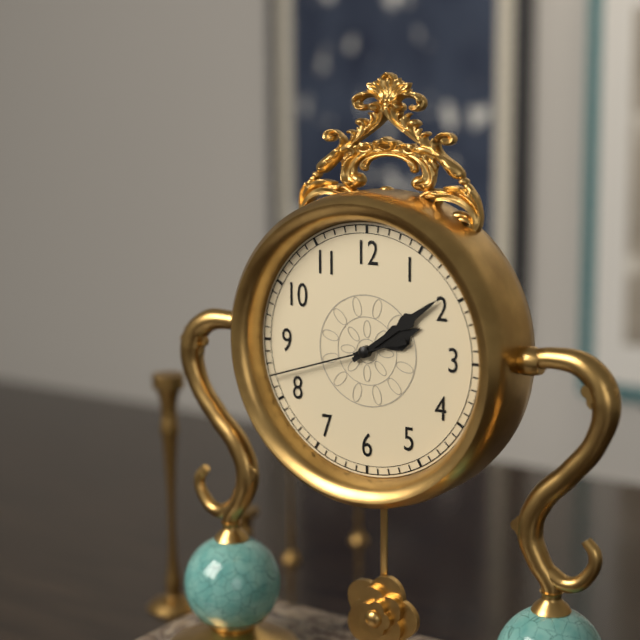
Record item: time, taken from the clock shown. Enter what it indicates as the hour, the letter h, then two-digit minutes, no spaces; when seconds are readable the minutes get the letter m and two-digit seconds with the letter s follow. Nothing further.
2h09m42s
